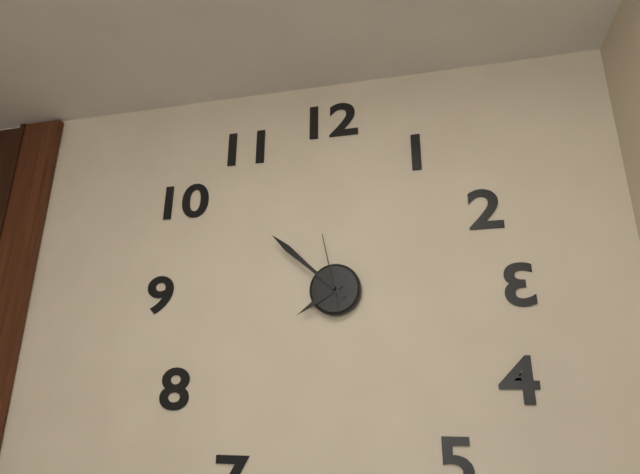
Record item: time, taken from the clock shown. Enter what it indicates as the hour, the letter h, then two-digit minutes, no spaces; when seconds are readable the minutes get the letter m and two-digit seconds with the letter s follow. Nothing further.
7h52m58s
